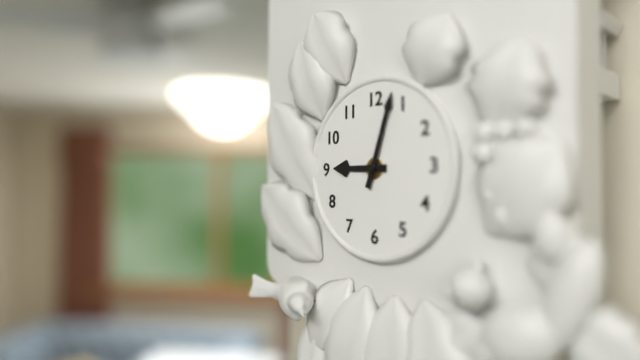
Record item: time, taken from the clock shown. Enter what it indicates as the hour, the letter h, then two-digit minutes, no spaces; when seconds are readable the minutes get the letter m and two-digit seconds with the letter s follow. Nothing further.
9h03
